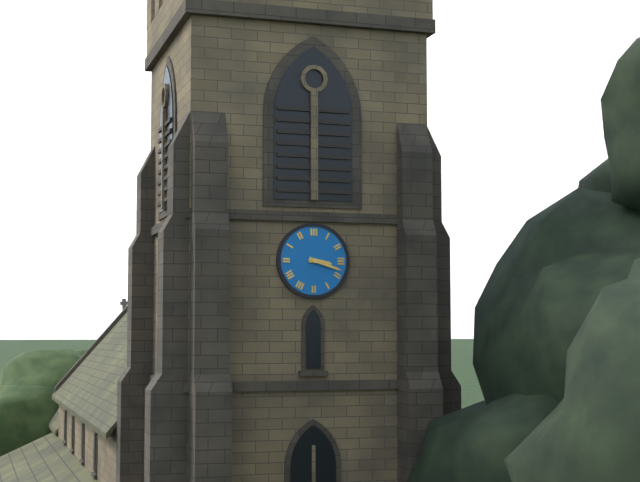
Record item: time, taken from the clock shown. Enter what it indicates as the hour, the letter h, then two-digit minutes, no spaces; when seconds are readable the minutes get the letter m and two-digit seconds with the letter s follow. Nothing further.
3h18
